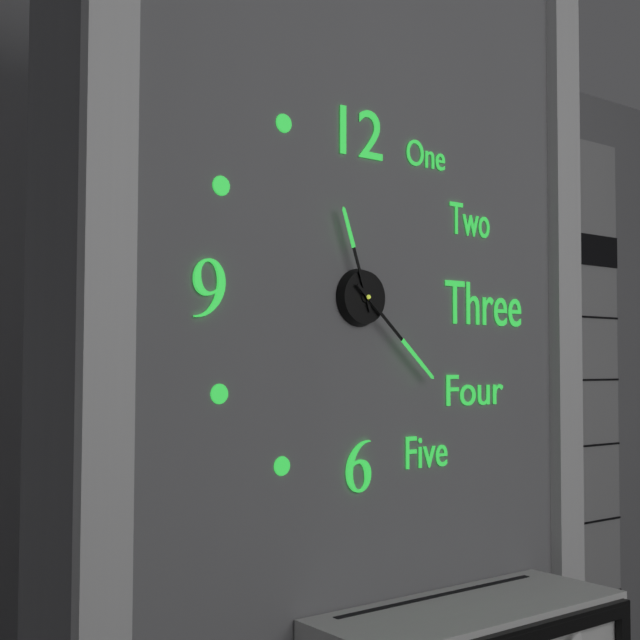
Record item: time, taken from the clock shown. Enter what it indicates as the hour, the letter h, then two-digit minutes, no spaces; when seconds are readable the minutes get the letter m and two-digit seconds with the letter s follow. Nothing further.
11h22
